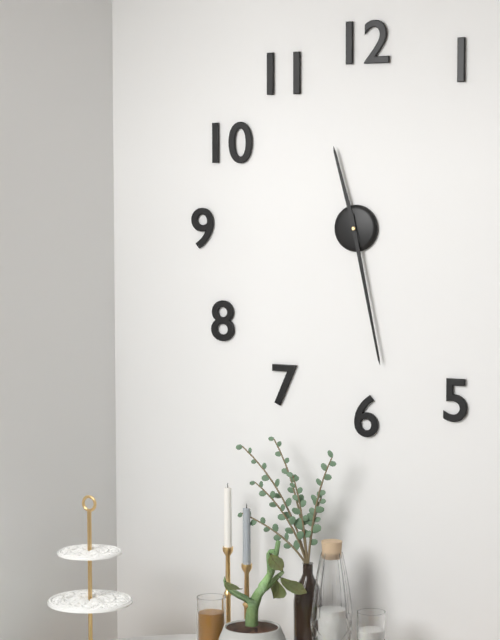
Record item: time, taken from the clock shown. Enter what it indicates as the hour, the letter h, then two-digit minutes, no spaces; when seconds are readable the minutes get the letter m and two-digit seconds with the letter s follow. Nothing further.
11h28
